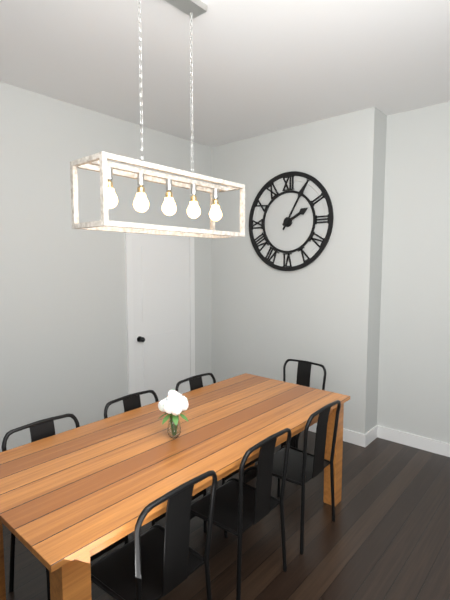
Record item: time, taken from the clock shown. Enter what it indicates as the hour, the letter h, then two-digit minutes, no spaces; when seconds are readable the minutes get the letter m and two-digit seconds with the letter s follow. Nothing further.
2h05
